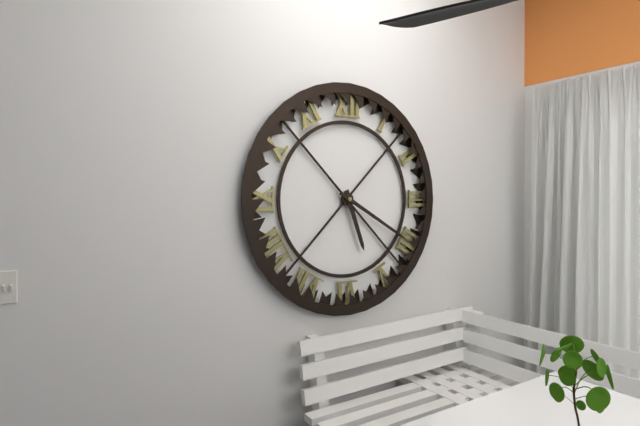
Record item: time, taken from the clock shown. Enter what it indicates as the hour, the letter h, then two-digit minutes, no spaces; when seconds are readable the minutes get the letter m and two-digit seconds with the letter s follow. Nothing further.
5h20
